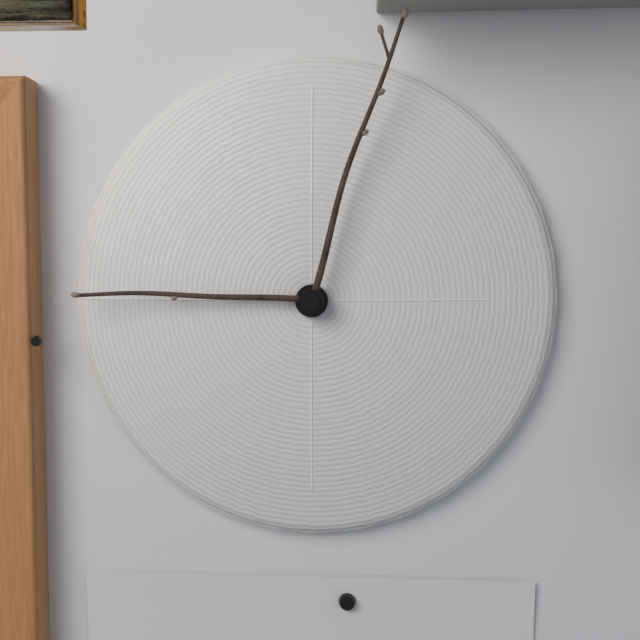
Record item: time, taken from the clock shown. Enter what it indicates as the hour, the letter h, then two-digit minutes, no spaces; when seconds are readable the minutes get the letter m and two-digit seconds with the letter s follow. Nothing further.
9h03
